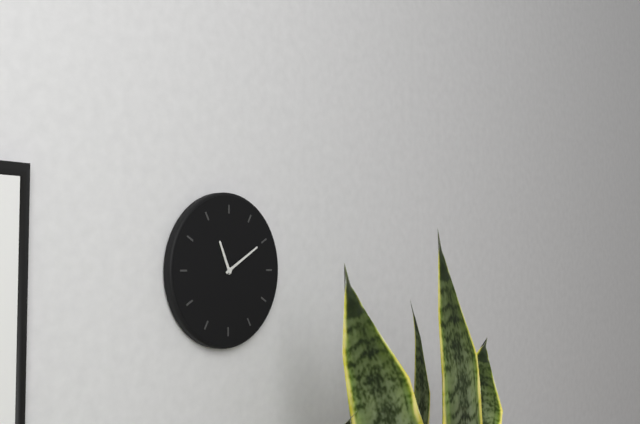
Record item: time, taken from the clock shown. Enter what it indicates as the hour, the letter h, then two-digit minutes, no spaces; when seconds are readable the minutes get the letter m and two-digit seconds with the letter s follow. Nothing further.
11h10
